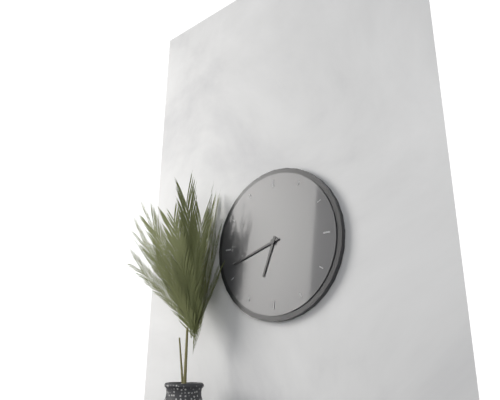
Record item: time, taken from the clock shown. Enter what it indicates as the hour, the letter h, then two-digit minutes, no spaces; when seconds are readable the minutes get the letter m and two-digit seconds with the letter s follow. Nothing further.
6h42
